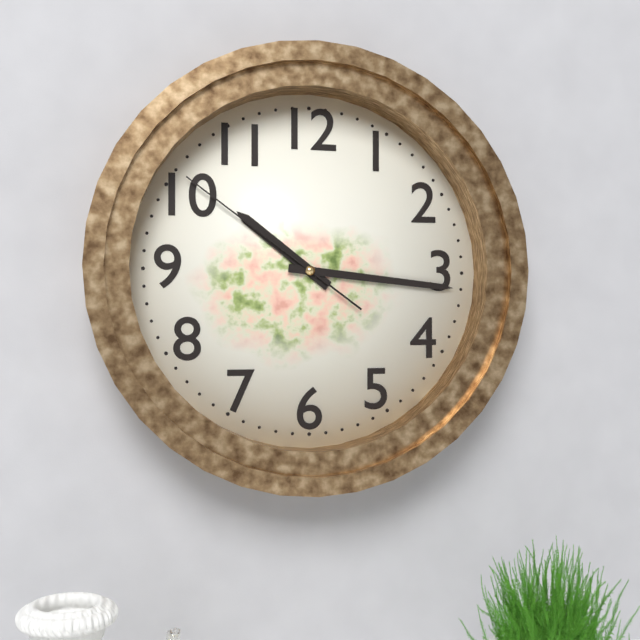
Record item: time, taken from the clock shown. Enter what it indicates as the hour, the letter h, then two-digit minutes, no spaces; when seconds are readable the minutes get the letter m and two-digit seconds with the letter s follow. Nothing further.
10h16m51s
